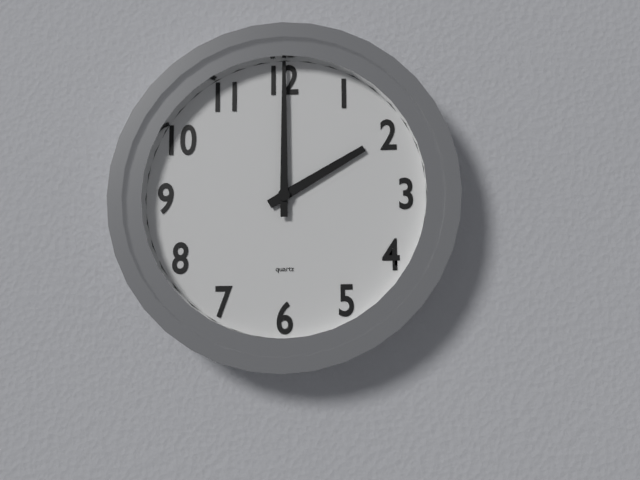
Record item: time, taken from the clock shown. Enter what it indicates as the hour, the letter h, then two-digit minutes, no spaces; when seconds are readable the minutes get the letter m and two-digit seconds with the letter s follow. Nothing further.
2h00
